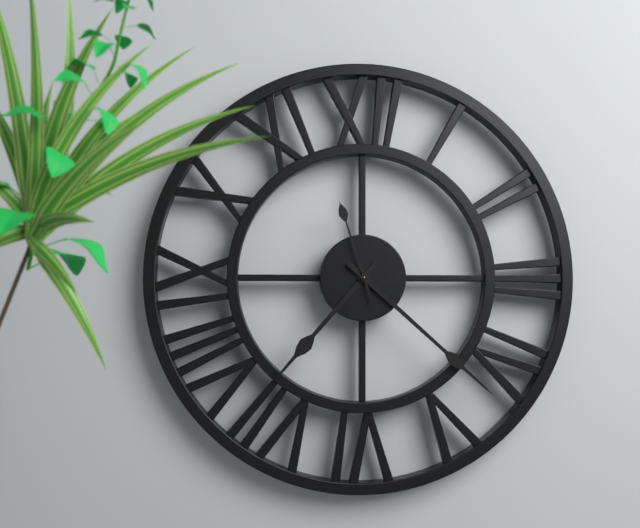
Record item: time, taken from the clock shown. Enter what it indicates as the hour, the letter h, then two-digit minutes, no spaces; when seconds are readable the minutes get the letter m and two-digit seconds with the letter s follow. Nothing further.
7h22m57s
